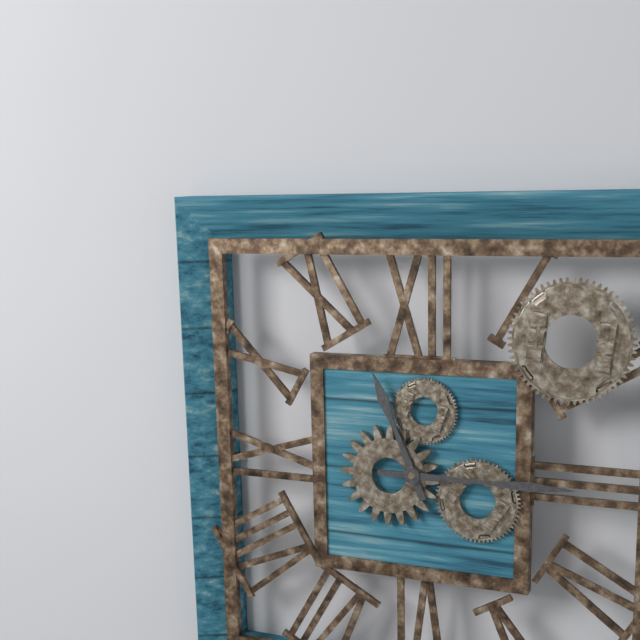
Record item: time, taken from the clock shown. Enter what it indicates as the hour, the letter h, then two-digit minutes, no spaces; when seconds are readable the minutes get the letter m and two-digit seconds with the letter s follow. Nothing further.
11h15
